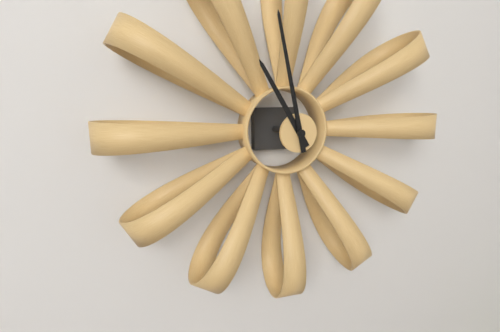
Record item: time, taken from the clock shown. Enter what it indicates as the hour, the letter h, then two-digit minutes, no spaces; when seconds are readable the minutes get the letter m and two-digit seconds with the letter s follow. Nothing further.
10h58
